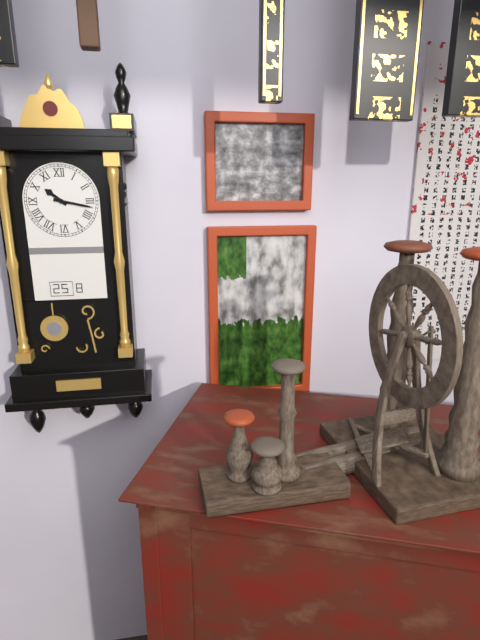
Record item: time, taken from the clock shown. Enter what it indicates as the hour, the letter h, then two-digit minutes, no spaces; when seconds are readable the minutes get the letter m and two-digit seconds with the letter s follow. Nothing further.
10h17
